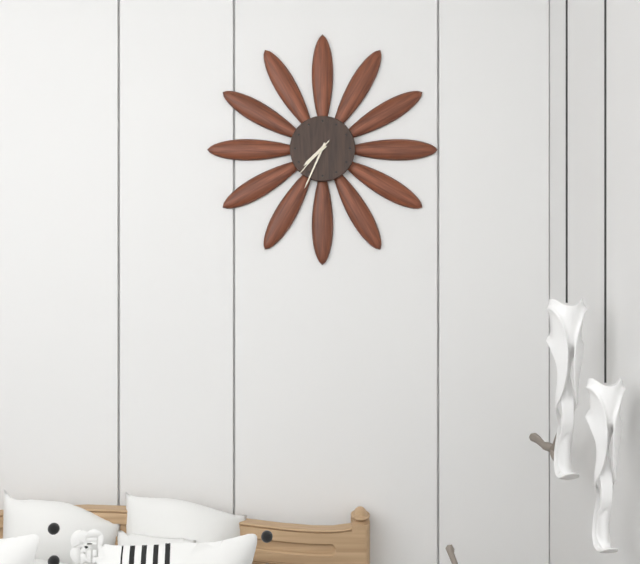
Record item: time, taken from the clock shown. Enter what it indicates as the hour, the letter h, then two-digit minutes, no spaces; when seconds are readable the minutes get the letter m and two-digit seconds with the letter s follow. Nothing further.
7h34
